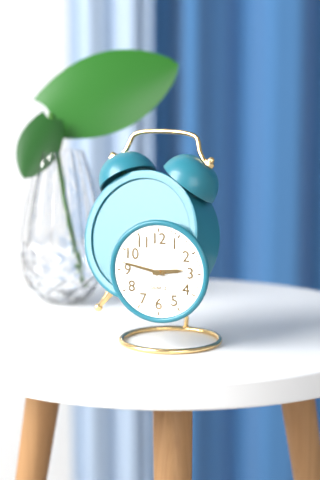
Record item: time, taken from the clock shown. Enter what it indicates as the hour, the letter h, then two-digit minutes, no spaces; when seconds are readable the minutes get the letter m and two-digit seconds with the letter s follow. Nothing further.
2h47
